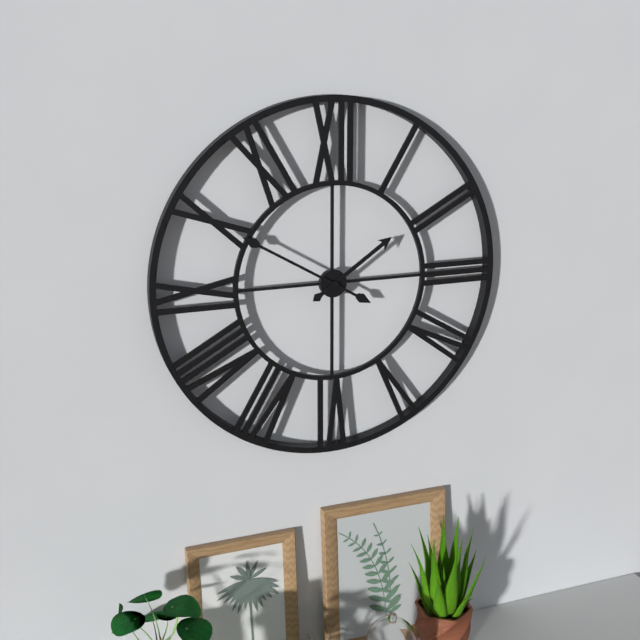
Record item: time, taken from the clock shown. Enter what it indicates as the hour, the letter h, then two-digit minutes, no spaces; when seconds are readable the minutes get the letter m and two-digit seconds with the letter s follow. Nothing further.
1h50
